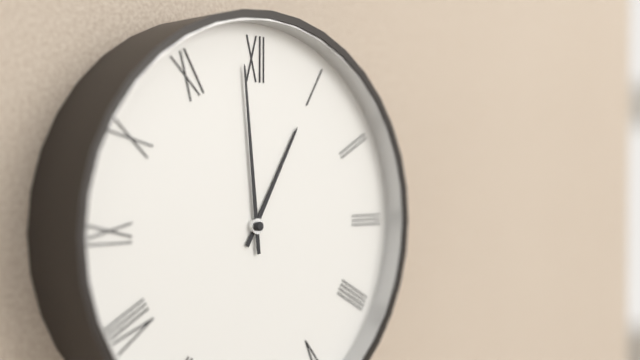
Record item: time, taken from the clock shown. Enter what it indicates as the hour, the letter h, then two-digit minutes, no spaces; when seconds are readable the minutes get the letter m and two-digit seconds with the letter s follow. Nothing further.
12h59
